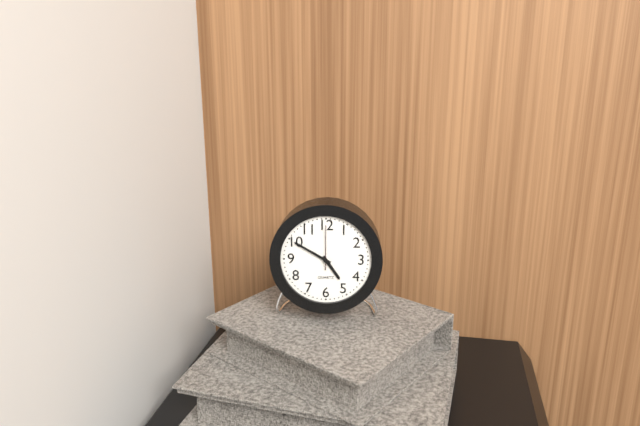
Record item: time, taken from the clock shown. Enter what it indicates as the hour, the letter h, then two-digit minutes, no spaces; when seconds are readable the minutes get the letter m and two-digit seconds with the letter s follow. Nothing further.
4h50
